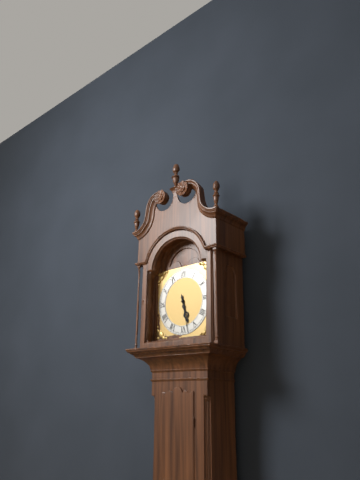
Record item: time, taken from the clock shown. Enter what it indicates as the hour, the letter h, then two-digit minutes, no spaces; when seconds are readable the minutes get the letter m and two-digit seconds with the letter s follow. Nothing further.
5h28
